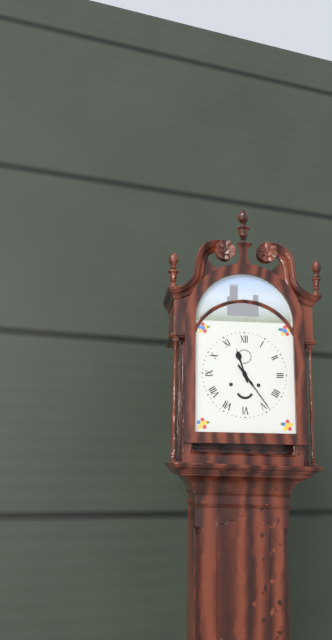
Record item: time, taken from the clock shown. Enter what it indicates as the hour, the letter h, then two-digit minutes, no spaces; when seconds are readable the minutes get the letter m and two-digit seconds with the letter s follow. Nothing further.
11h24
